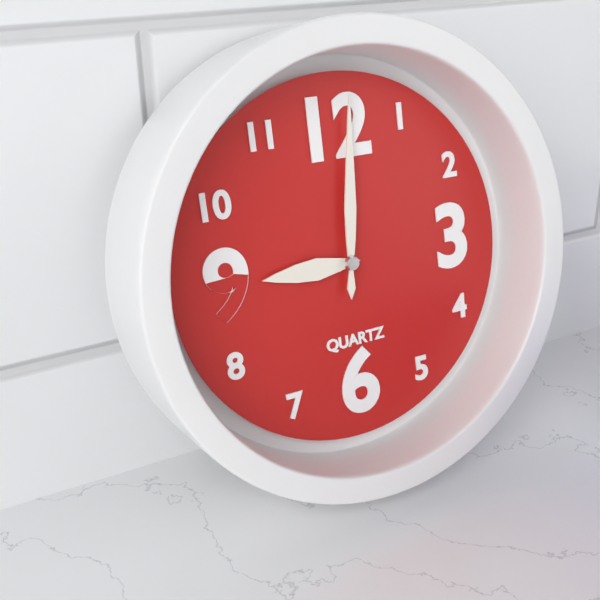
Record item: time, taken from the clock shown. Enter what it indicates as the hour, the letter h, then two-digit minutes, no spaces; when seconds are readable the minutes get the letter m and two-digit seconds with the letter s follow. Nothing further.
9h01
